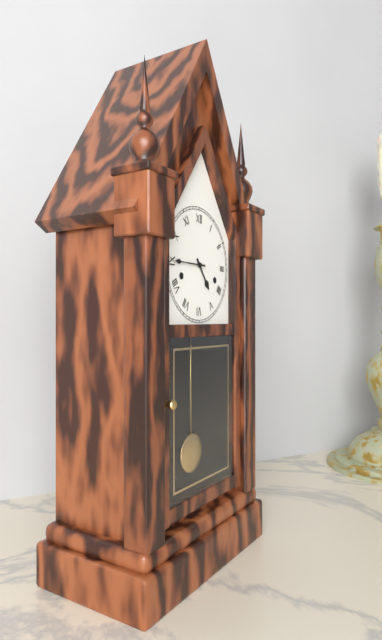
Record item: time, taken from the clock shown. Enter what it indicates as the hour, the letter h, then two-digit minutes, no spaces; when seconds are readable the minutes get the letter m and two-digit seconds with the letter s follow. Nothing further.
4h45
